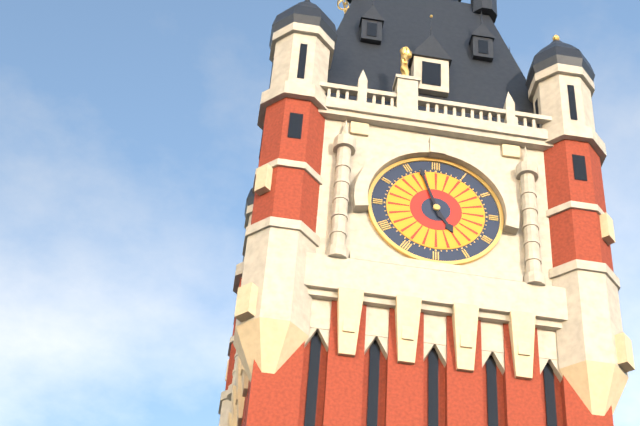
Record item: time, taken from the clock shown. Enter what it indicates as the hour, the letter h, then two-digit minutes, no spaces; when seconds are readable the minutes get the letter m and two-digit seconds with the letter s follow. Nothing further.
4h57
